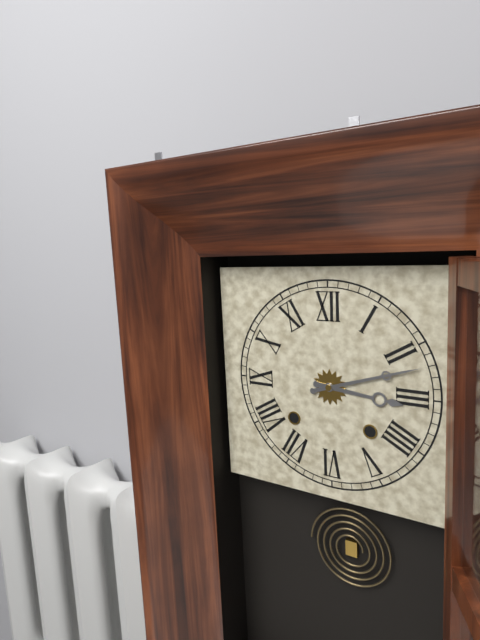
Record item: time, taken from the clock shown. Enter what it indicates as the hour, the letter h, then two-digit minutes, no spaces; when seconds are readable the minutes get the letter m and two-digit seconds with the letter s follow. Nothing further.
3h12
